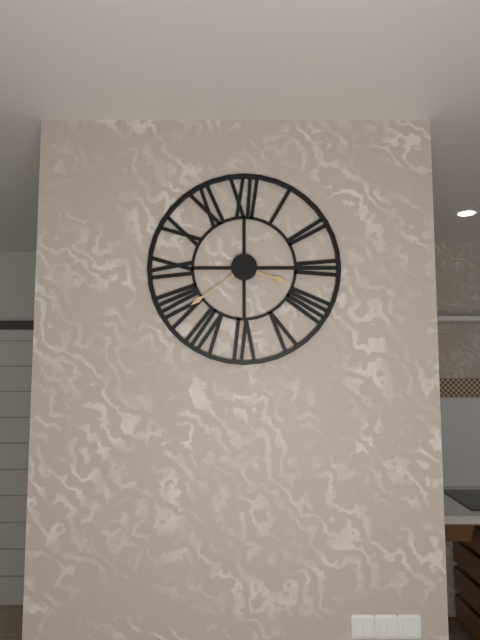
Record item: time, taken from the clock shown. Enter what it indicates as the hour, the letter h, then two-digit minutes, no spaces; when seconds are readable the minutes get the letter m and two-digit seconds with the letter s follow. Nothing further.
3h39
